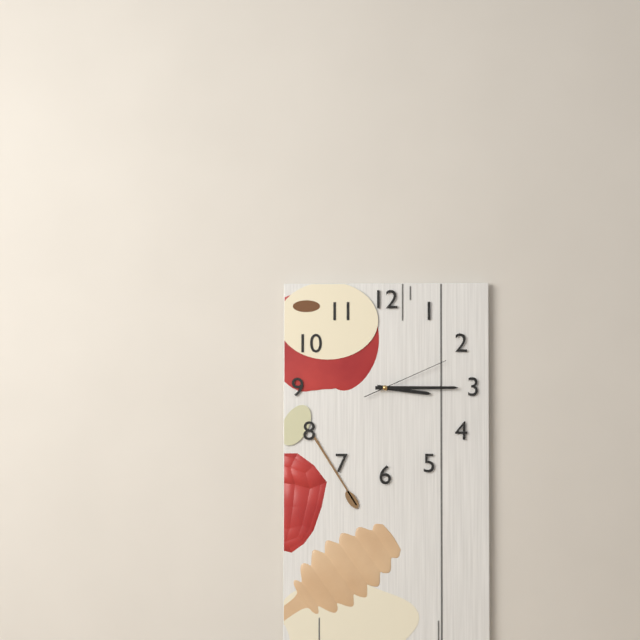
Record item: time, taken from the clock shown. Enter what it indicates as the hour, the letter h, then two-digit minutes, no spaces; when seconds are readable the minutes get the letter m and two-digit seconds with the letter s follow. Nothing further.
3h15m11s
